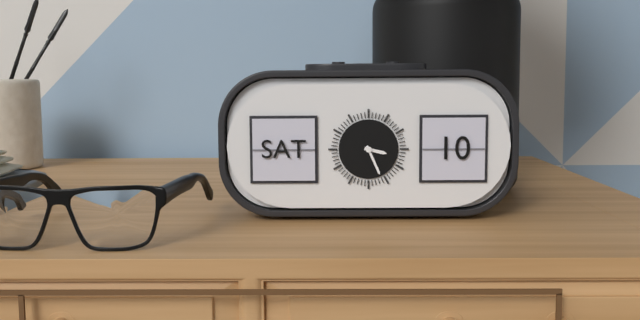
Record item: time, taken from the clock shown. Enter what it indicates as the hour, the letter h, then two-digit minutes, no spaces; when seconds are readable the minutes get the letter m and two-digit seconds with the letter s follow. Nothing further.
3h26
